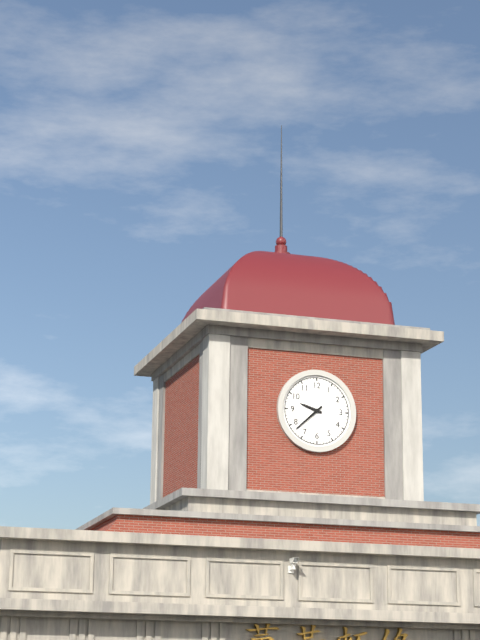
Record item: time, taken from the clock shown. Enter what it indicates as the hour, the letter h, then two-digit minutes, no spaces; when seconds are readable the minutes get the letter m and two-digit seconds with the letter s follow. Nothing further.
9h38
